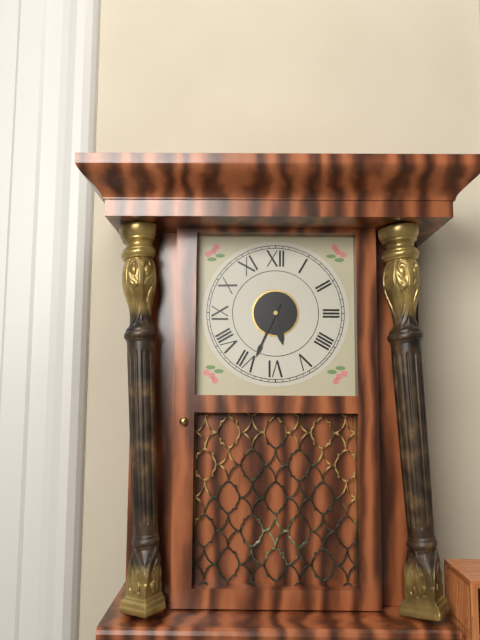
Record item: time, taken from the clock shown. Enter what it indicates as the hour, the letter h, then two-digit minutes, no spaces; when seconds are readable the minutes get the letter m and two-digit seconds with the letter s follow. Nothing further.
5h34
